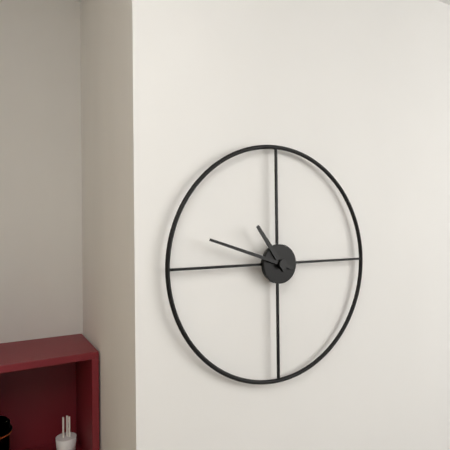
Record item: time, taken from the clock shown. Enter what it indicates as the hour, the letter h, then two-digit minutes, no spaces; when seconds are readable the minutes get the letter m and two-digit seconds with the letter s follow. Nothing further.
10h48
